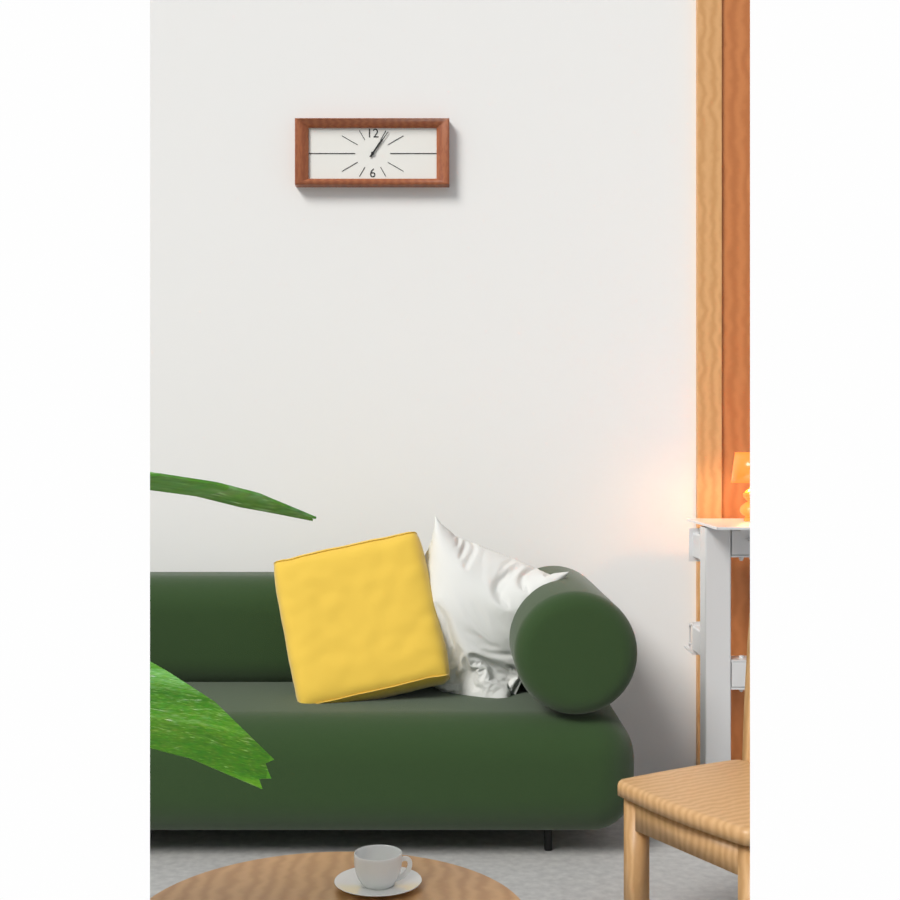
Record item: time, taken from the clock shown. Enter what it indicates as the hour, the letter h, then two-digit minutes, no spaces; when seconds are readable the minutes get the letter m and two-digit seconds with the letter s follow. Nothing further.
1h06
